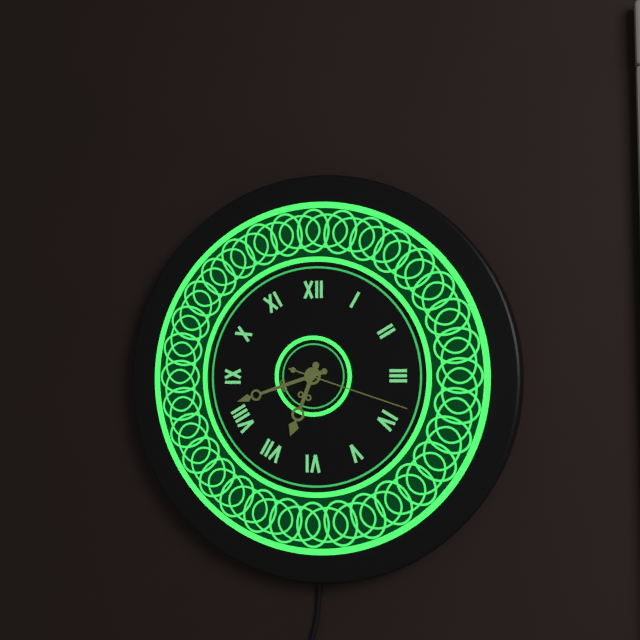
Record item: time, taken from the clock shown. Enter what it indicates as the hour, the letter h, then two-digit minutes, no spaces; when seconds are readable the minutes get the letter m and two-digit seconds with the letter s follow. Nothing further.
6h42m18s
